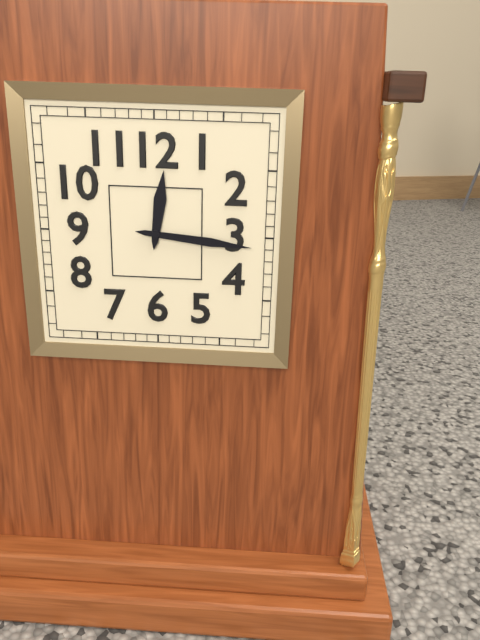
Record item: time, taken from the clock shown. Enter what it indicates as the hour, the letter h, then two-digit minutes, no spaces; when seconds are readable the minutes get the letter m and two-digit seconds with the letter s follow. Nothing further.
12h16
